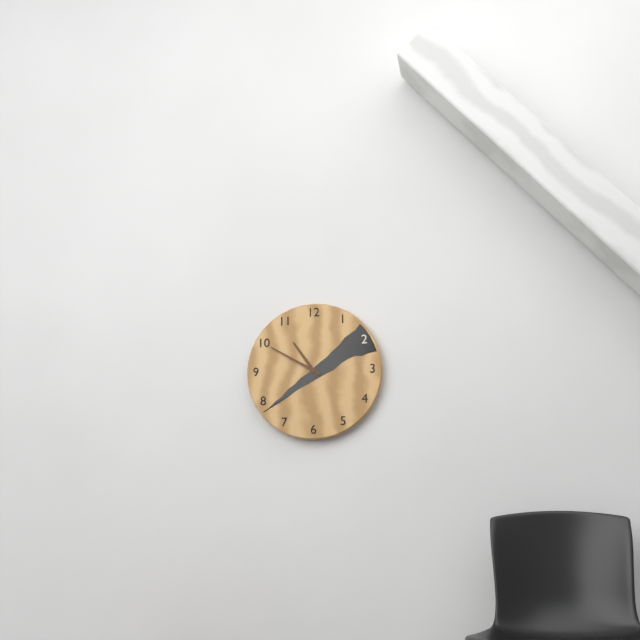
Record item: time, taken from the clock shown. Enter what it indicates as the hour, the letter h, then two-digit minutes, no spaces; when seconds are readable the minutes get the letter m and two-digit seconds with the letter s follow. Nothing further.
10h50
